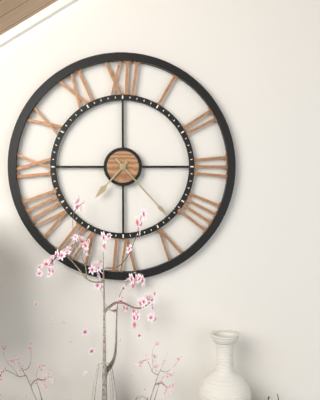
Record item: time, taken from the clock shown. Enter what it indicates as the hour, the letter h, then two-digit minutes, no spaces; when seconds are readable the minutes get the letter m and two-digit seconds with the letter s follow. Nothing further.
7h23
